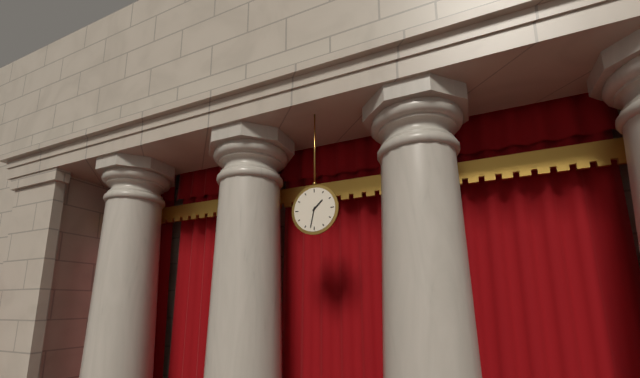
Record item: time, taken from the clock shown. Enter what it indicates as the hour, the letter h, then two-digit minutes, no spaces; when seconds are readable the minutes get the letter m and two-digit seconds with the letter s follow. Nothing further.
1h32
